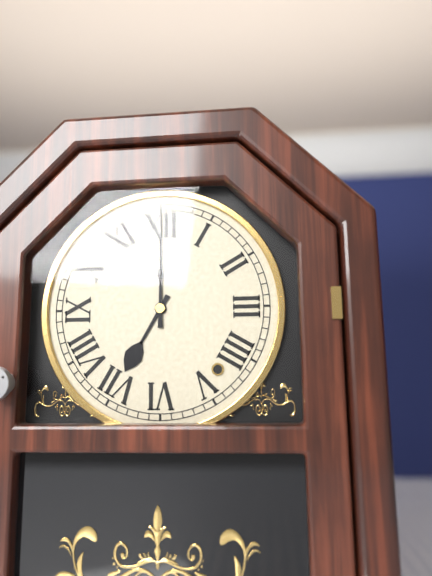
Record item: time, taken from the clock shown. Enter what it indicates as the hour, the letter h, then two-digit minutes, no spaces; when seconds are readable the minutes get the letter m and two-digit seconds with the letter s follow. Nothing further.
7h00
